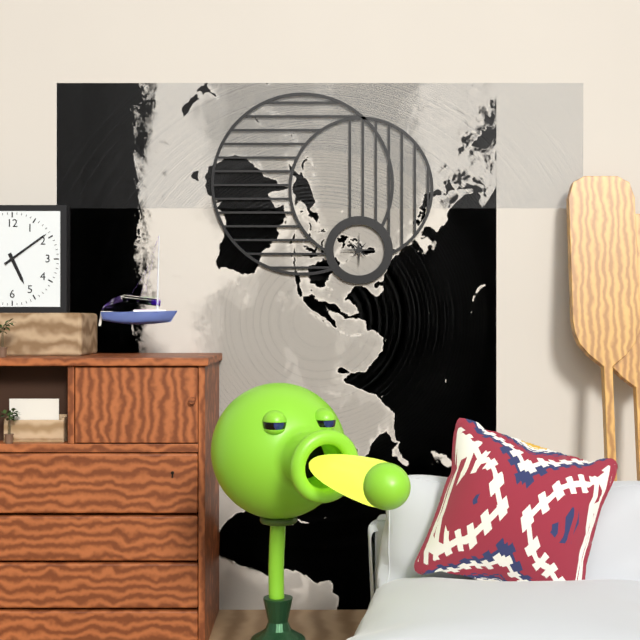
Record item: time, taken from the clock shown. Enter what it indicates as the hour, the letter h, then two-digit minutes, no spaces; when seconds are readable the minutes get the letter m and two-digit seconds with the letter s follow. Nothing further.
5h09
